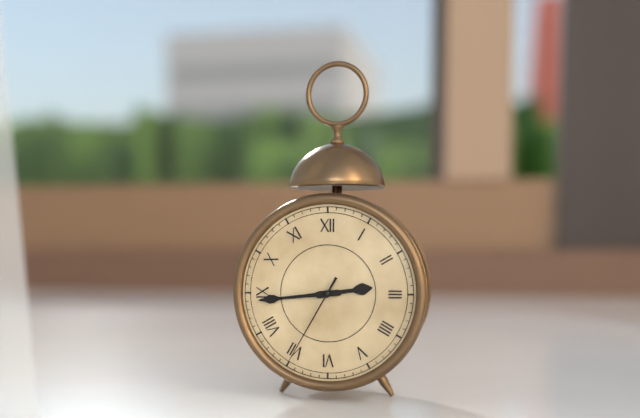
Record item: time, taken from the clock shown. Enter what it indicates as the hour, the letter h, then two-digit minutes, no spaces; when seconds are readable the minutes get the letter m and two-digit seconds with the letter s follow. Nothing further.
2h44m35s
